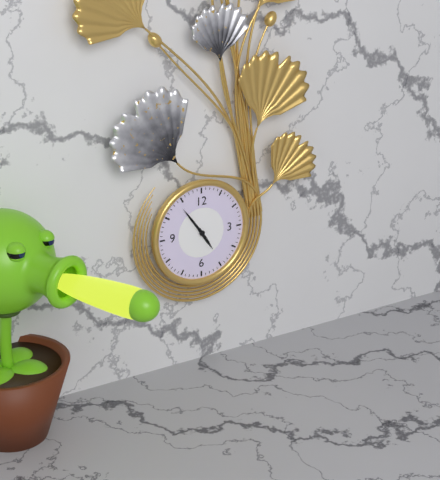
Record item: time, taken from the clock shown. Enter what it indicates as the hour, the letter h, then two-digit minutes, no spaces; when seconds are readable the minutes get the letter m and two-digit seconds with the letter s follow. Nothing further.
4h54
